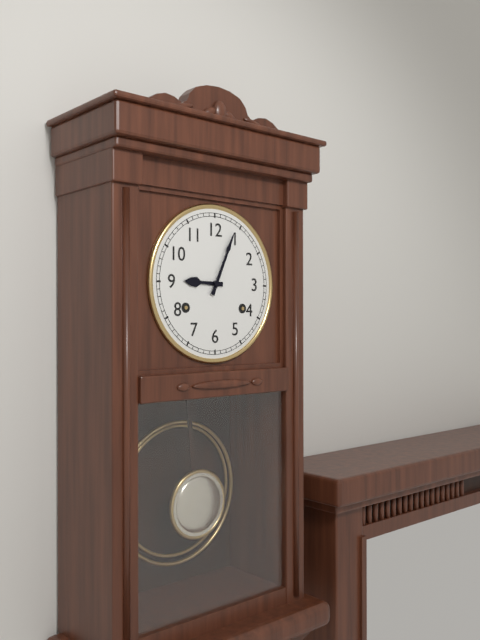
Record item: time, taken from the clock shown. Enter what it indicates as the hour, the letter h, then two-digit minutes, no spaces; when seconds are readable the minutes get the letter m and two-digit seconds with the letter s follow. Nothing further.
9h04
